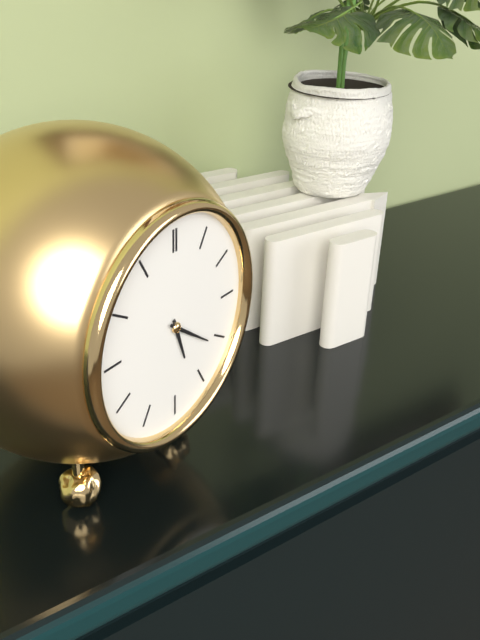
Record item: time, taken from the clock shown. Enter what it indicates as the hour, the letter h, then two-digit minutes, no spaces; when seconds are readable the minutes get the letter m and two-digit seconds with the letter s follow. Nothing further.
5h21
